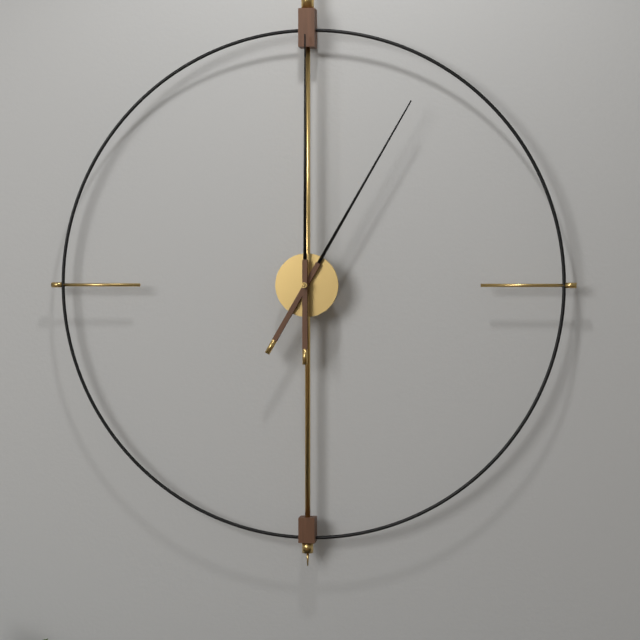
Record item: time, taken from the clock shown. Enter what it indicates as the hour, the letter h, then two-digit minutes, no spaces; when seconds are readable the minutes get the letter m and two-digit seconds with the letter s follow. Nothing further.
1h00
